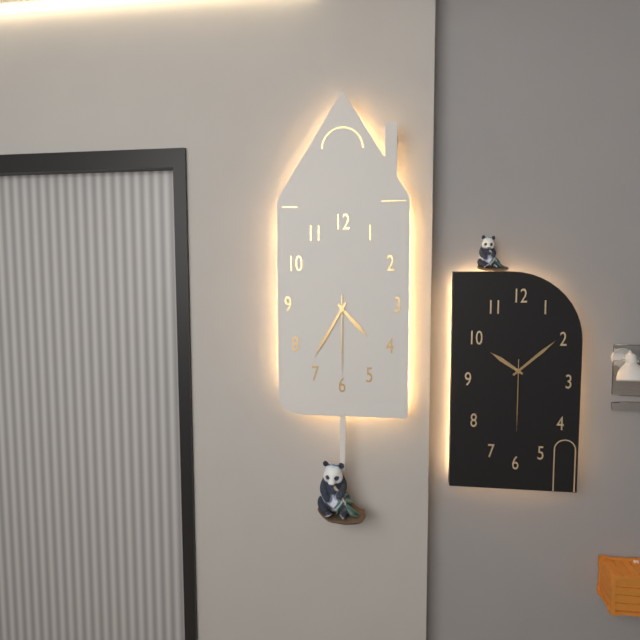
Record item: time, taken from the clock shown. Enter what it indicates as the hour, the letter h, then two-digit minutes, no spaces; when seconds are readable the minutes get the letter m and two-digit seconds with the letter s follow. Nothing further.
4h35m30s
